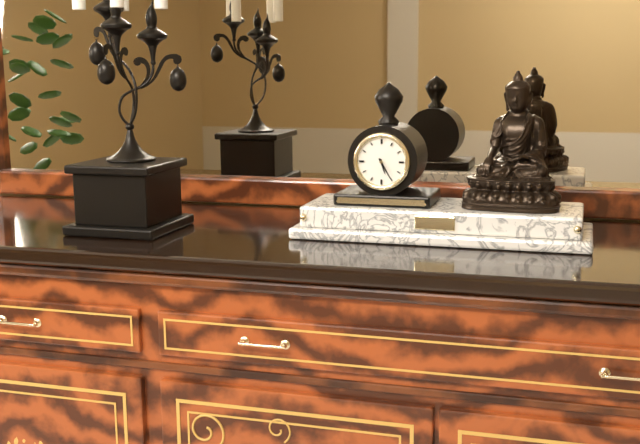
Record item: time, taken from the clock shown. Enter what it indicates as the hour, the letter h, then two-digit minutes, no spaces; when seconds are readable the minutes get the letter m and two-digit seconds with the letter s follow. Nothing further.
5h25
